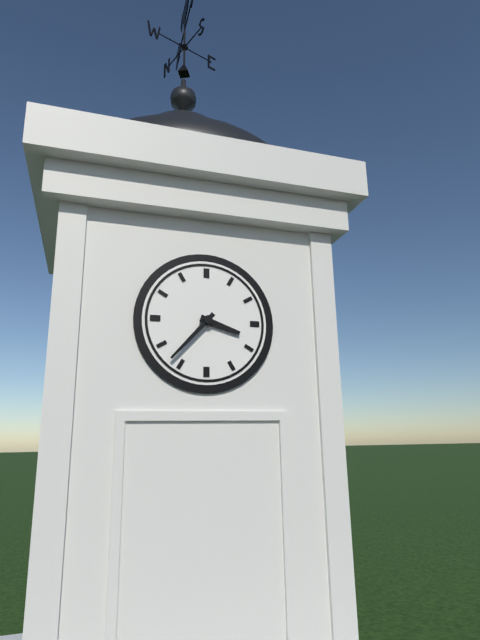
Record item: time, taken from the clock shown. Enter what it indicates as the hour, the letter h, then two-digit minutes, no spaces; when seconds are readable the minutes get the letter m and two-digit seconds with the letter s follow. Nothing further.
3h37
